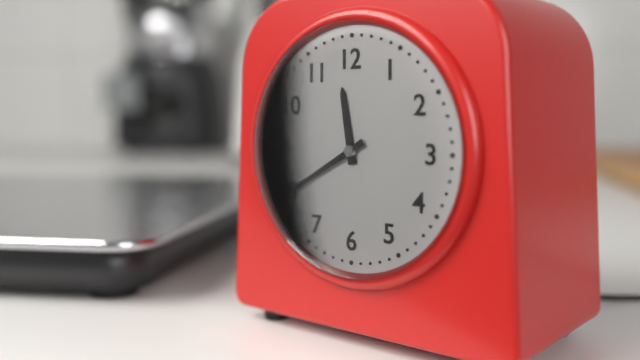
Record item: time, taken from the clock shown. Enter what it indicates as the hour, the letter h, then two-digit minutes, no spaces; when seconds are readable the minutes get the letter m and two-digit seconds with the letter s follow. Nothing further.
11h40
